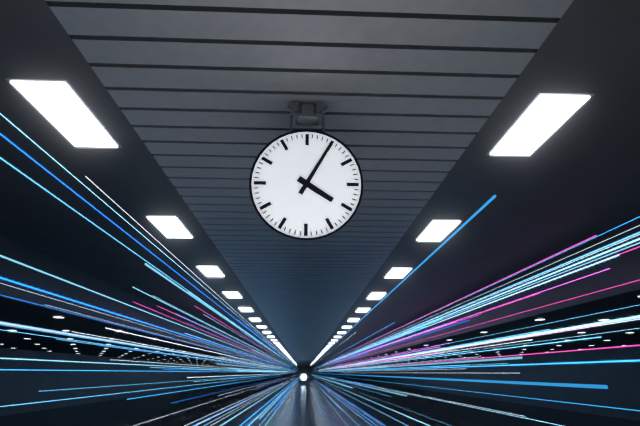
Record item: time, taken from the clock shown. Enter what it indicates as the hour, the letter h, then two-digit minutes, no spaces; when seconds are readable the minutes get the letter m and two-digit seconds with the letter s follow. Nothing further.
4h05
